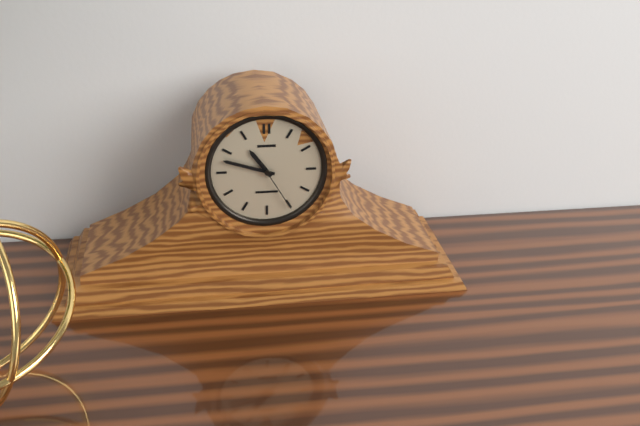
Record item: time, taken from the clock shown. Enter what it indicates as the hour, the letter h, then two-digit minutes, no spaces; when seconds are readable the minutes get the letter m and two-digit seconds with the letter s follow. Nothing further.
10h48m25s
